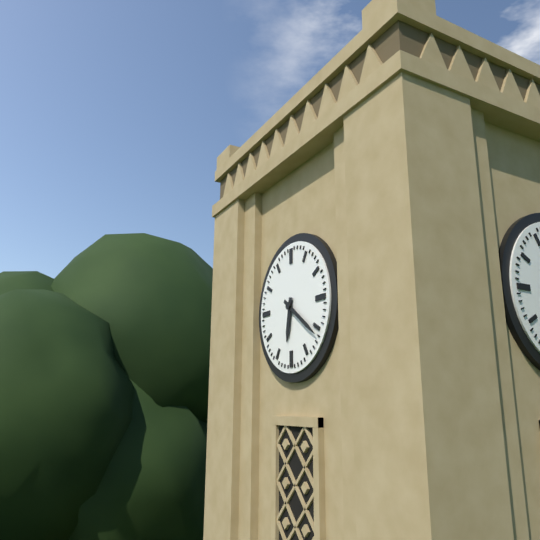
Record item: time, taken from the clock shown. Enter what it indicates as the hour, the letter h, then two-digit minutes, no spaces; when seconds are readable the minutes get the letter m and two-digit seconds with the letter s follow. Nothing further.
6h21
